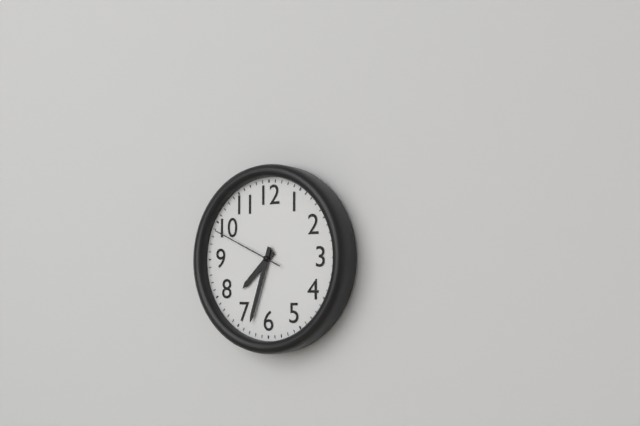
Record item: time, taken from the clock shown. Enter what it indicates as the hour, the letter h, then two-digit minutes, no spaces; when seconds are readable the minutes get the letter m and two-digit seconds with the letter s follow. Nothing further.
7h33m49s
